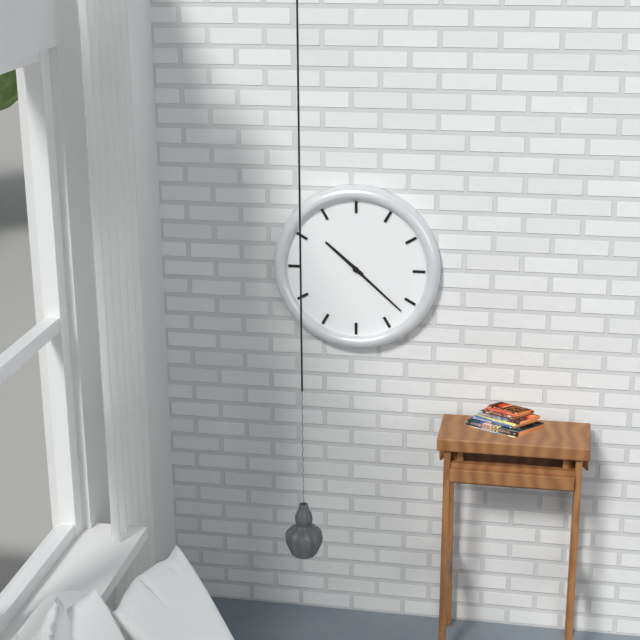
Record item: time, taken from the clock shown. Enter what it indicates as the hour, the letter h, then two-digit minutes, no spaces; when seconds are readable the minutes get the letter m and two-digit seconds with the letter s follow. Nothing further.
10h22
